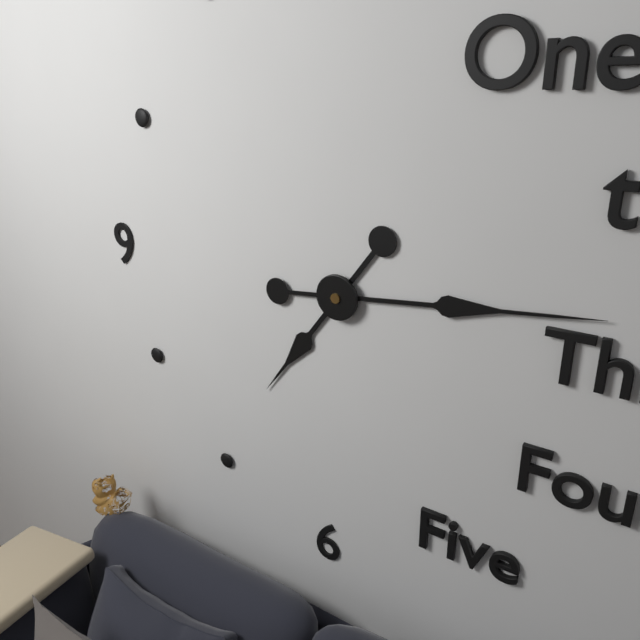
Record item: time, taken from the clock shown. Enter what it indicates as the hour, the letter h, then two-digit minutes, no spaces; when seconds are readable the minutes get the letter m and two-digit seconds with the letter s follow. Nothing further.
7h14
